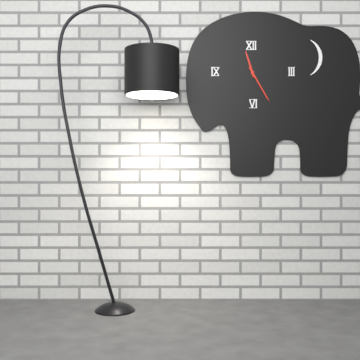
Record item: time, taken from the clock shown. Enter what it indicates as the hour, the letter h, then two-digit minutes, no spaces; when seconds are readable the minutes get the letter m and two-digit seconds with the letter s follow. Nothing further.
11h25
